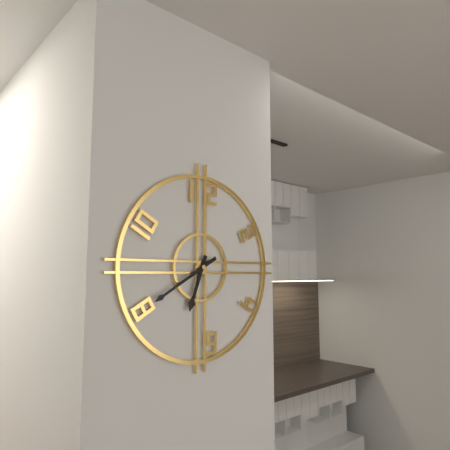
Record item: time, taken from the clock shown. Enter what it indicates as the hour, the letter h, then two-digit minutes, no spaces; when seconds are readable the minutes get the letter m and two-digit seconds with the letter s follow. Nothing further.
6h40
